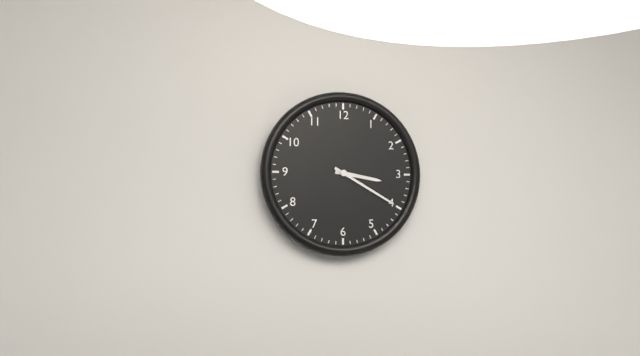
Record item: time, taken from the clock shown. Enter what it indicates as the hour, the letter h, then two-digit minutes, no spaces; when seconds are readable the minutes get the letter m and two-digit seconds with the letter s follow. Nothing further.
3h20
